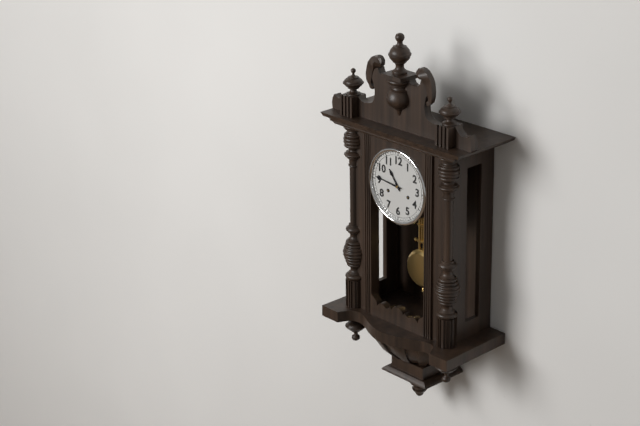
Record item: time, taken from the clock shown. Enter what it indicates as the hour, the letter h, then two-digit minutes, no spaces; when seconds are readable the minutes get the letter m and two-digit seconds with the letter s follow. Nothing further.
10h46
